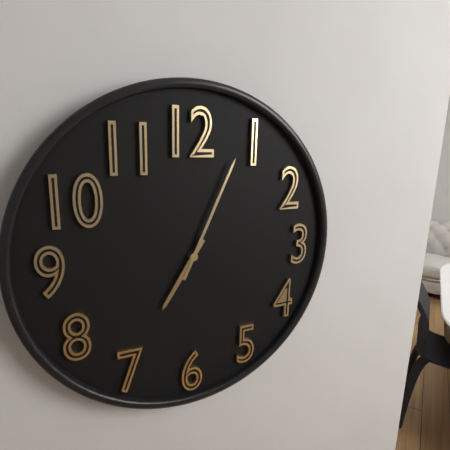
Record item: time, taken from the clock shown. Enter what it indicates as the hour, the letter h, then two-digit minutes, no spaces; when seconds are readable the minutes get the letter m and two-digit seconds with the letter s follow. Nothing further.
7h04
